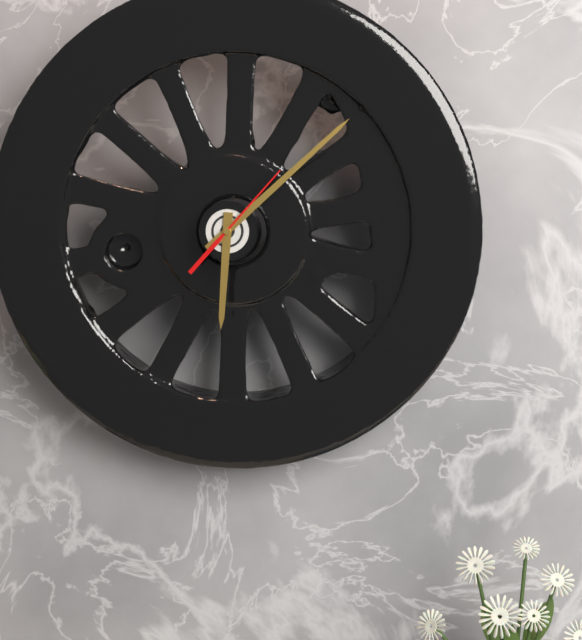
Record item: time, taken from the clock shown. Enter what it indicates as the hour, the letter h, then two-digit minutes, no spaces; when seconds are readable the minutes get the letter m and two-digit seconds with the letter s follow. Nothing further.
6h08m07s
